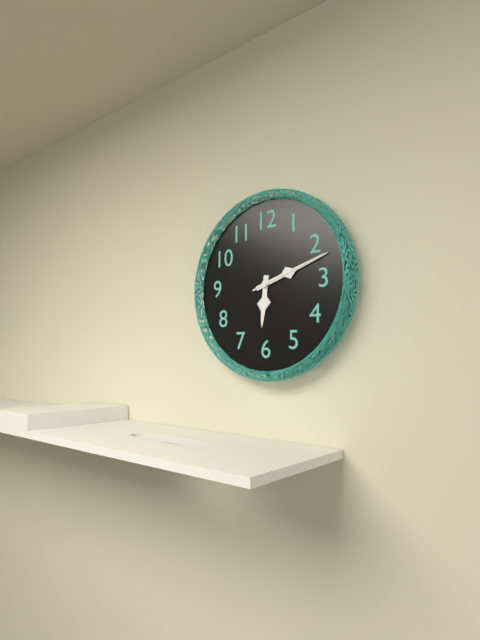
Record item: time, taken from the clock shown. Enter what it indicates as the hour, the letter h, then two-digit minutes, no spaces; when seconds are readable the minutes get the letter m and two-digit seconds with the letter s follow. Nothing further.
6h12m12s
